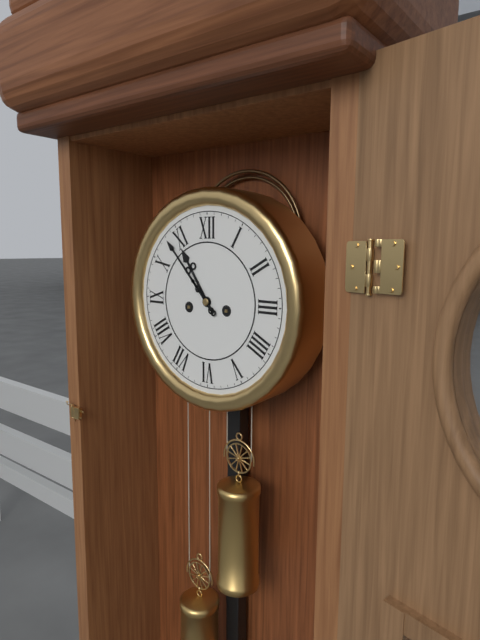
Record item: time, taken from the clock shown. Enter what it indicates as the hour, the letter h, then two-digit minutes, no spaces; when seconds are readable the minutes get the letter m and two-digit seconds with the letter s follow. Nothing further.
10h53
